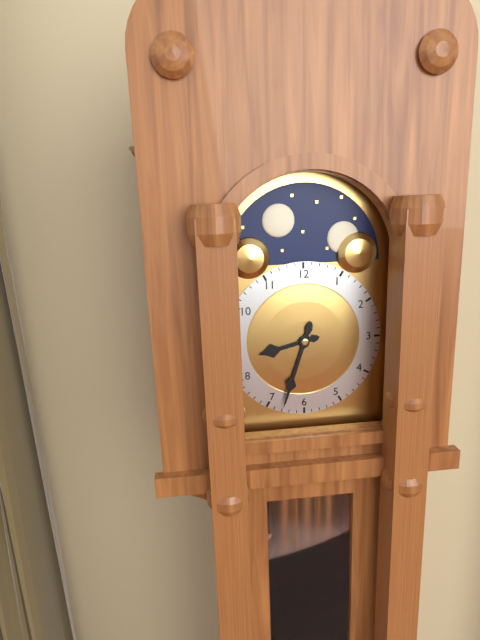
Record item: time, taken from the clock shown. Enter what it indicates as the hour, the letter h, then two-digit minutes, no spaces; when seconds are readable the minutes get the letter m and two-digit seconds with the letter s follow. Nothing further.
8h33
